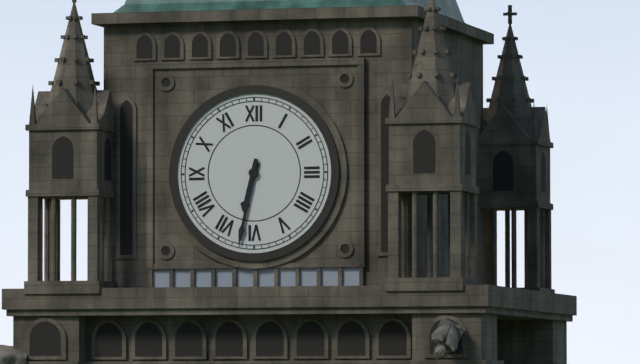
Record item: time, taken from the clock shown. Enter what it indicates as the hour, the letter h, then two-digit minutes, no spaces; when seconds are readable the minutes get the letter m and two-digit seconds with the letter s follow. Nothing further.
6h32
